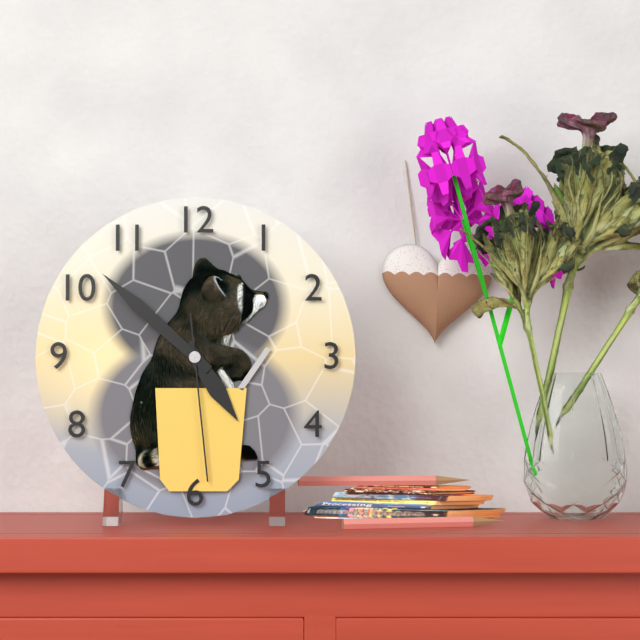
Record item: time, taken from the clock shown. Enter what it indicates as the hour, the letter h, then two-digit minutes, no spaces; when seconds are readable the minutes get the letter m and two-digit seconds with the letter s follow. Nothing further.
4h52m29s
